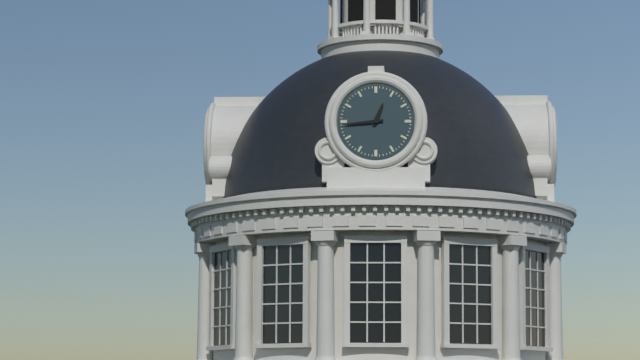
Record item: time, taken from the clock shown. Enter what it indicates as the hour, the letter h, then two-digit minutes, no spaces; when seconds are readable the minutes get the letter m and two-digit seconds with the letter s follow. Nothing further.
12h44
